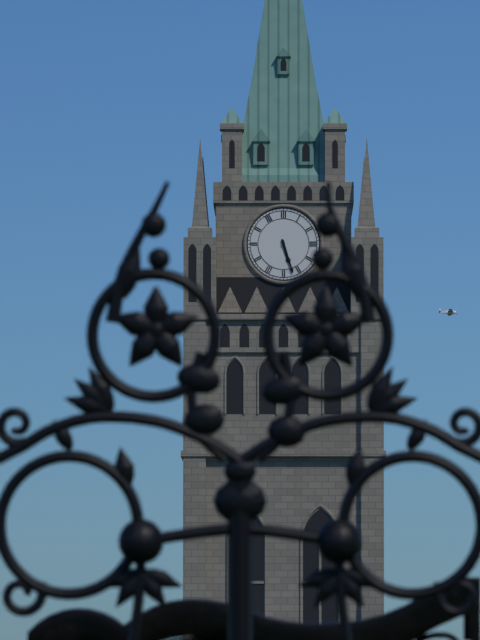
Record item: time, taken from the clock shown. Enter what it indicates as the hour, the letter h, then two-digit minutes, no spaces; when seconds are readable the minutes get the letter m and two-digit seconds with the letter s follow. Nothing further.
5h27
